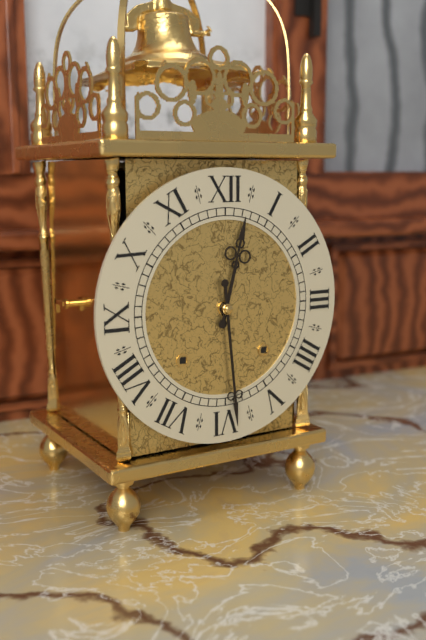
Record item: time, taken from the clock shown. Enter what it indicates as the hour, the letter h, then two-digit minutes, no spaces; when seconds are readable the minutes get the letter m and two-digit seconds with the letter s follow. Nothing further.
12h29
